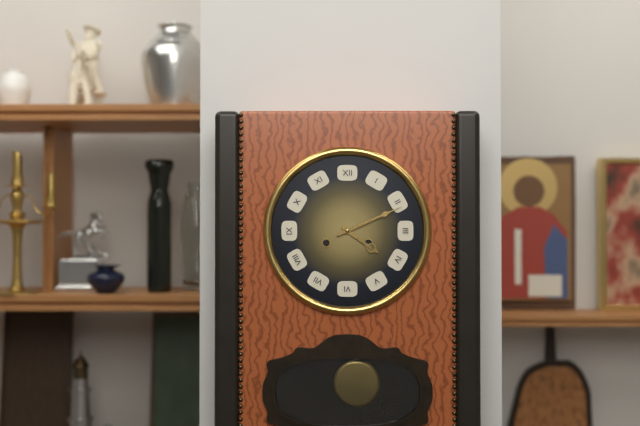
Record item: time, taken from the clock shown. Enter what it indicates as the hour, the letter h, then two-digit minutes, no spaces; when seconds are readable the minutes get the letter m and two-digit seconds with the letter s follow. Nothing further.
4h11
